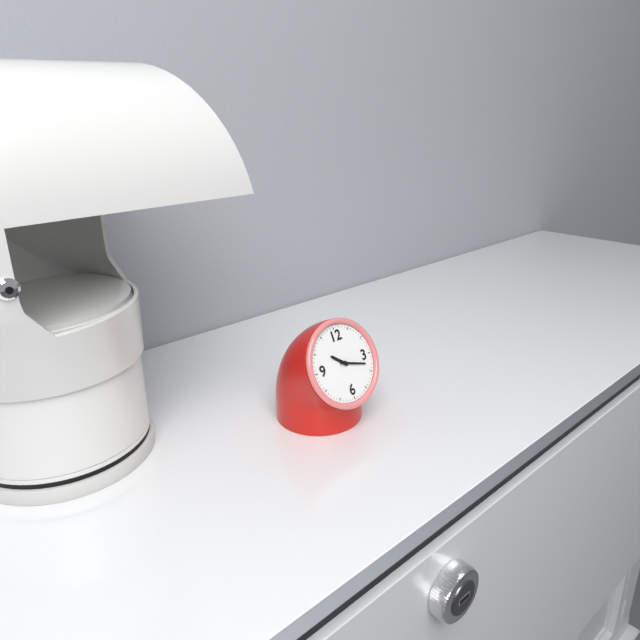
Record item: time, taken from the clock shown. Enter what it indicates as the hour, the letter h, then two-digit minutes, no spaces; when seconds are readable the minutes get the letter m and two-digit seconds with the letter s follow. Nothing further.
10h18
